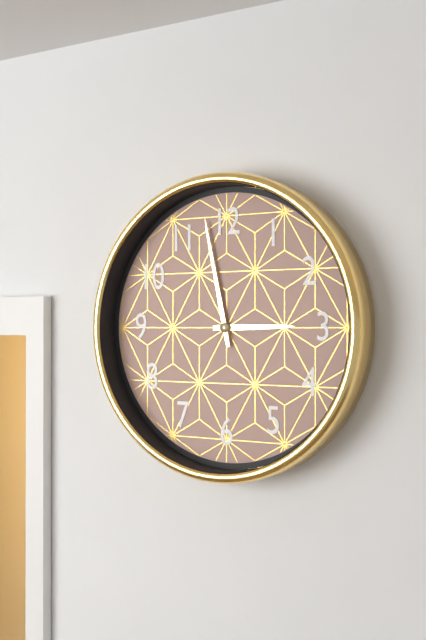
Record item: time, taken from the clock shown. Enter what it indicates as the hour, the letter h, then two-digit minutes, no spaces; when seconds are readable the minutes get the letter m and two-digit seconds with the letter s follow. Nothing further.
2h58
